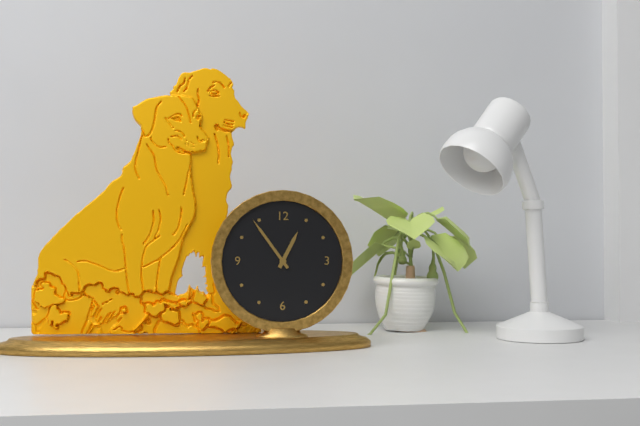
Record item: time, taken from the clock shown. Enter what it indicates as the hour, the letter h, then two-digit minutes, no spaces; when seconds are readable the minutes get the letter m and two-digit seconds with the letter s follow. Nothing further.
12h54
